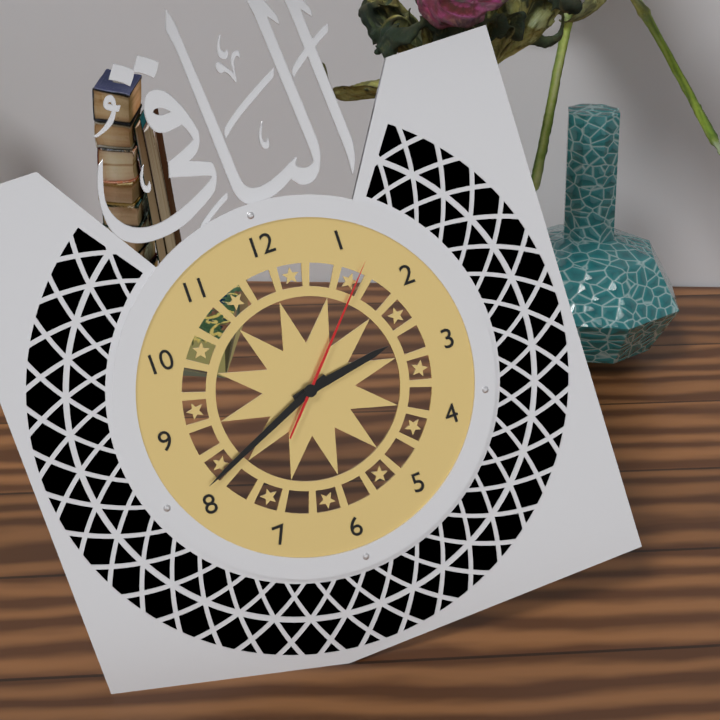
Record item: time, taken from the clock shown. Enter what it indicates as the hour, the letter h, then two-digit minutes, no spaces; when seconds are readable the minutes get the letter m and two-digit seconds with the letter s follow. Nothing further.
2h41m07s
